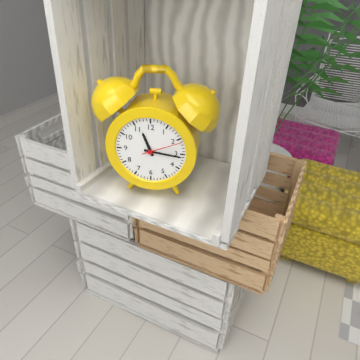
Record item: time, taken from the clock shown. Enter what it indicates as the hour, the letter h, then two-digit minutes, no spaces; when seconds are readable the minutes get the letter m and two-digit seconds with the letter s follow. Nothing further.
11h16
